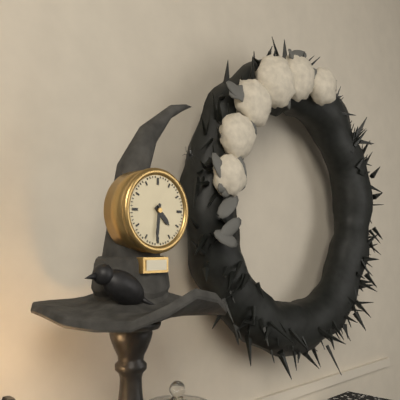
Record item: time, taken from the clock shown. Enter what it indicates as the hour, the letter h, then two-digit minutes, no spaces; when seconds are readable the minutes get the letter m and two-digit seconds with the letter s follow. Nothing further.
4h31
